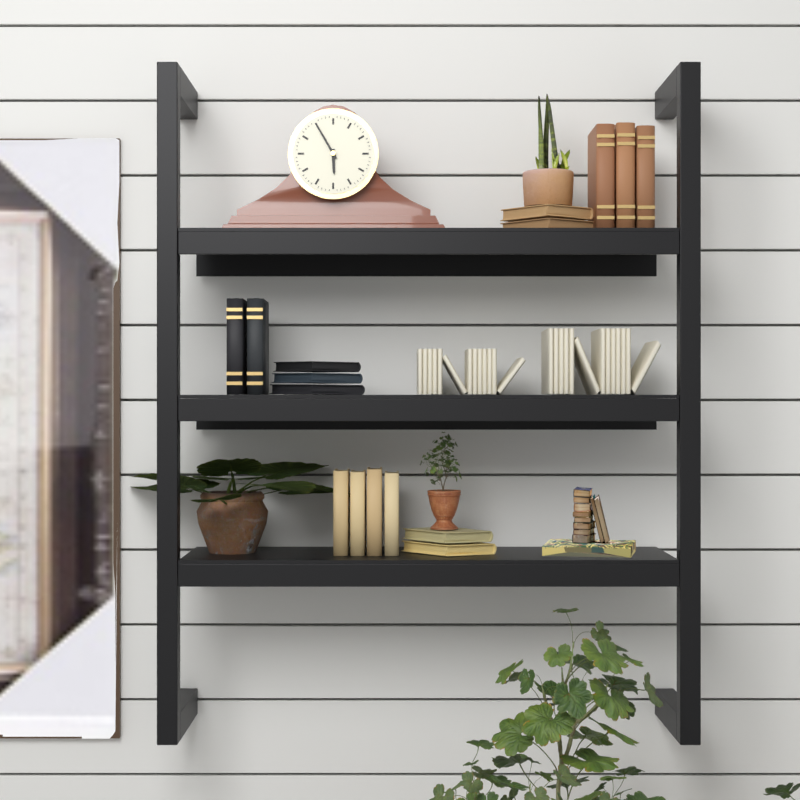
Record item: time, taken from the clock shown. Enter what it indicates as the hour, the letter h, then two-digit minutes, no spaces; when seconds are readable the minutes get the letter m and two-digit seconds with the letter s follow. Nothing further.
5h55
